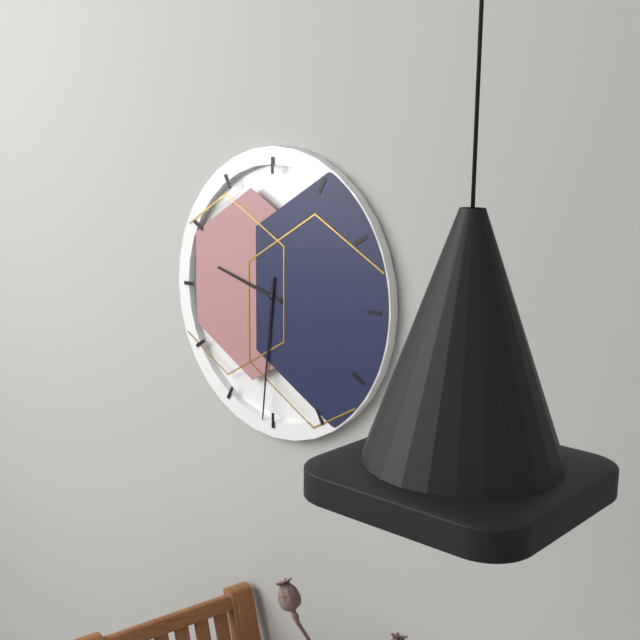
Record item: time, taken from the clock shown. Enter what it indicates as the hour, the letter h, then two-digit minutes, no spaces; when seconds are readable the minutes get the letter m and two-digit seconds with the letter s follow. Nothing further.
9h31
